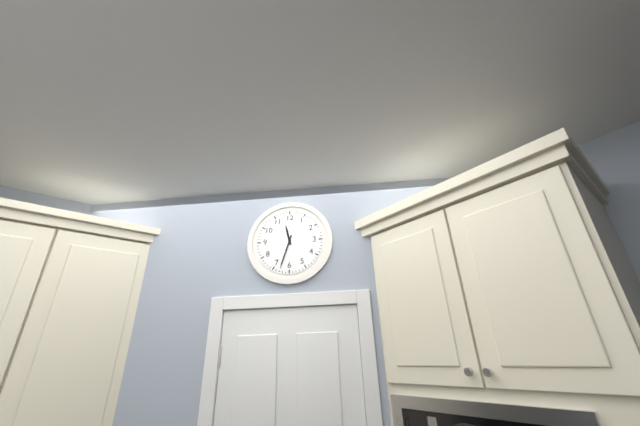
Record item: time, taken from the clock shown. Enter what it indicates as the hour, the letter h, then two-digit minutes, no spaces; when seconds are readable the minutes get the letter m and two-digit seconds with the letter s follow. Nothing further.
11h33
